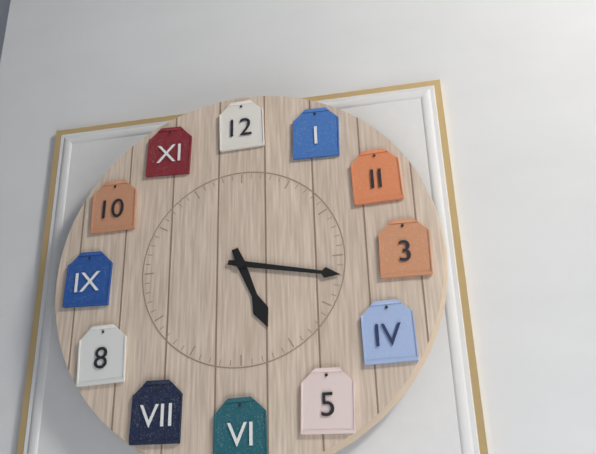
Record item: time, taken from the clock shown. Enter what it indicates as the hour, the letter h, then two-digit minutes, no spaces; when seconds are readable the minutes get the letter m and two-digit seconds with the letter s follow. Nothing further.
5h17
